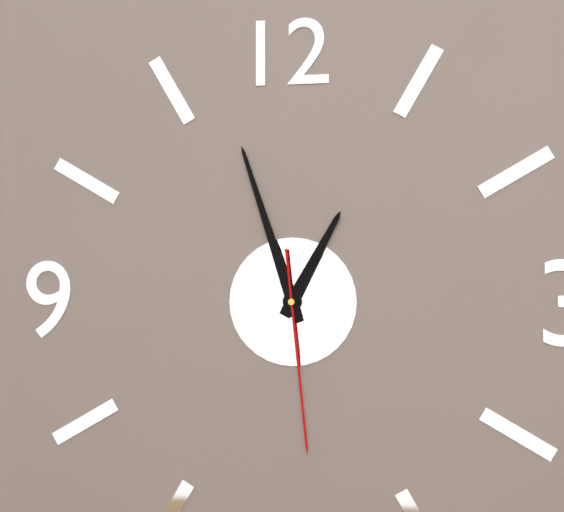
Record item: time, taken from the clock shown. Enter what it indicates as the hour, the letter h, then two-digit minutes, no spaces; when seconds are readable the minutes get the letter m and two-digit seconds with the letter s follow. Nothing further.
12h57m29s
